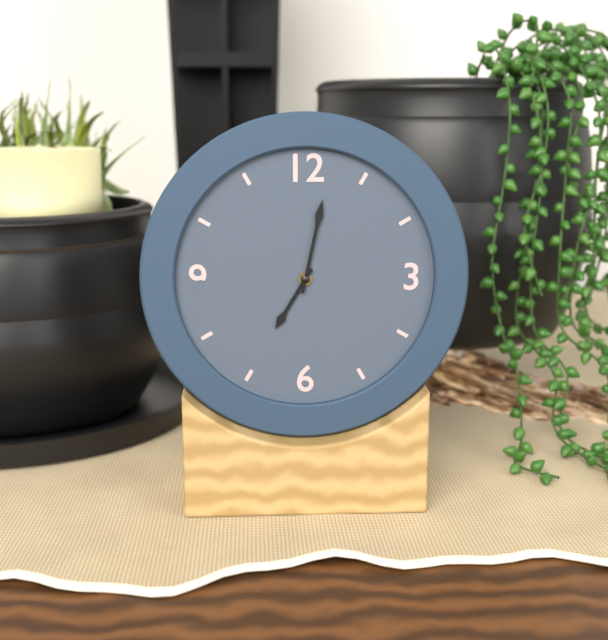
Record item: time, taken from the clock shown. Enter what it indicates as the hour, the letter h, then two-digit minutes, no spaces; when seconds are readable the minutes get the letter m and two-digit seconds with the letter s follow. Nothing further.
7h02
